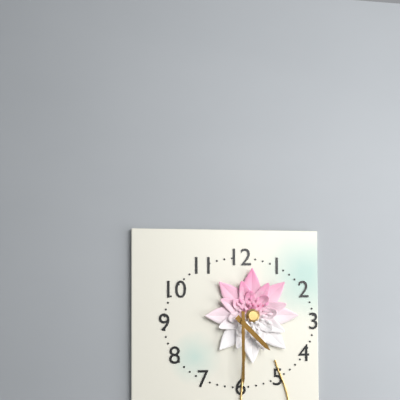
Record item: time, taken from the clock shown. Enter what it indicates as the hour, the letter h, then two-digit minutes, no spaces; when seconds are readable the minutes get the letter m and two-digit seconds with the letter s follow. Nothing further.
4h30
